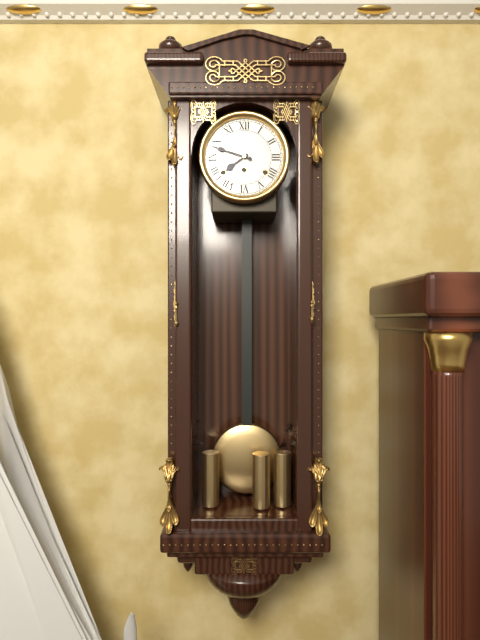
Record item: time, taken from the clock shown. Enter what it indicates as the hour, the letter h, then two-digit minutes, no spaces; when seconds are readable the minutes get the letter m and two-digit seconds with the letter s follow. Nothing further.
7h48
